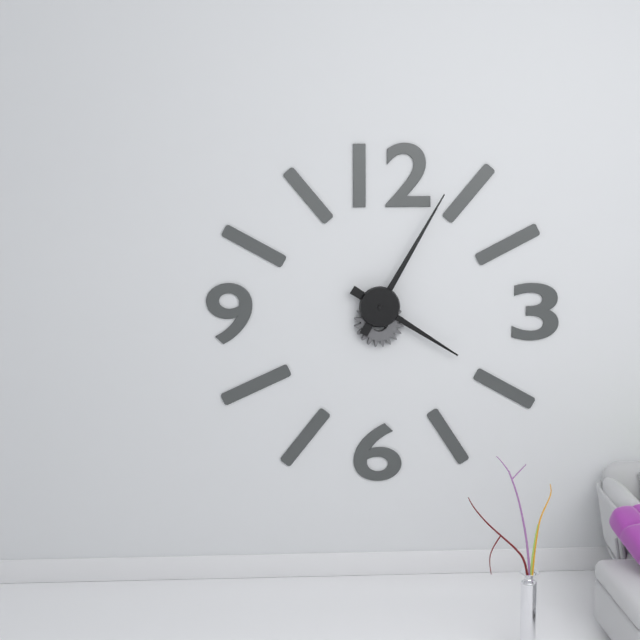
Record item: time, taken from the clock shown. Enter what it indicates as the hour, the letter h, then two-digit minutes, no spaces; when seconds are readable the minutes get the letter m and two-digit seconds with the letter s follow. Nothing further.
4h05
